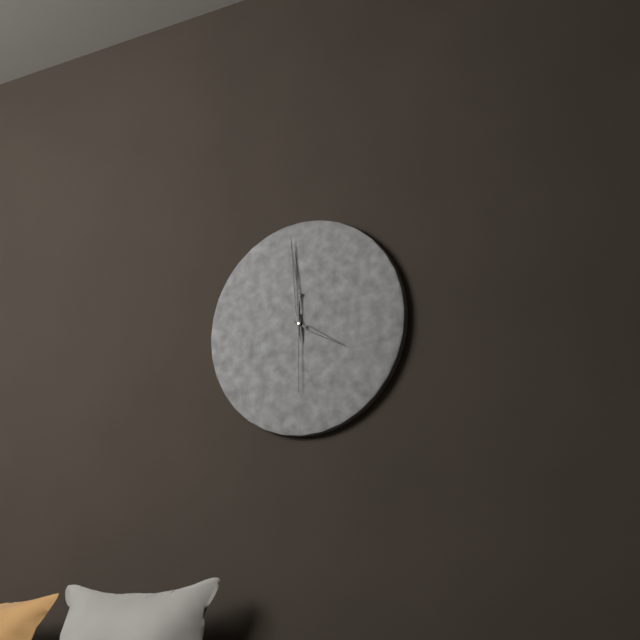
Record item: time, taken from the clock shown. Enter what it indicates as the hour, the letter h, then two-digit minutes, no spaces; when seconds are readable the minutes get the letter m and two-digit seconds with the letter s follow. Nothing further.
3h59m30s
